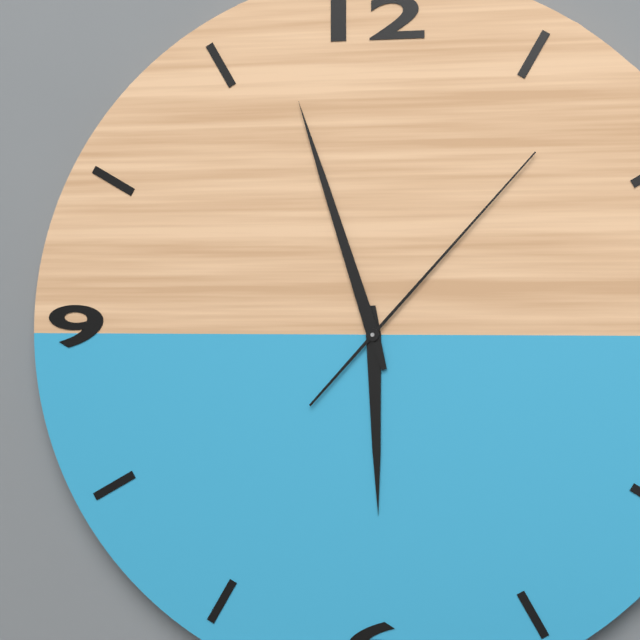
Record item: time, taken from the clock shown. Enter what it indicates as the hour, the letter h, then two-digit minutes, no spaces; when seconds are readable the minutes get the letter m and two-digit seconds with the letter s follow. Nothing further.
5h57m07s
